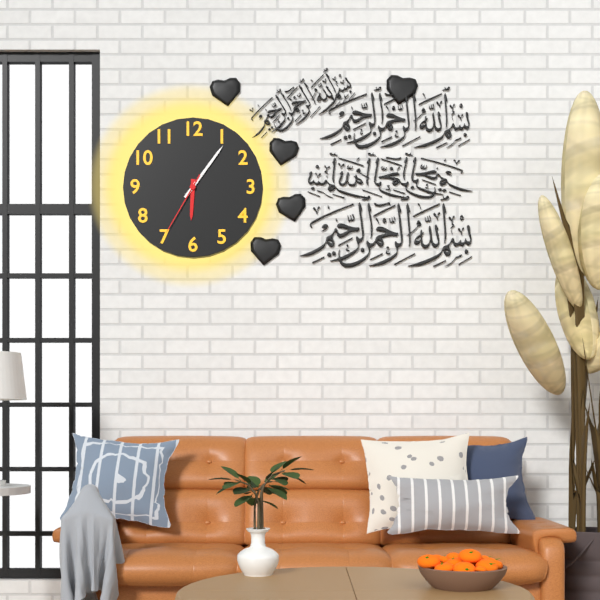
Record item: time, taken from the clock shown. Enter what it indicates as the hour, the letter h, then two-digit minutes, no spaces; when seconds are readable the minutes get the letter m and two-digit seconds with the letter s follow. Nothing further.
6h06m35s
